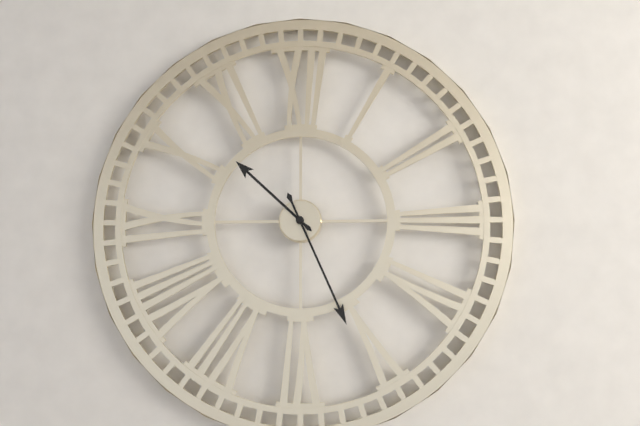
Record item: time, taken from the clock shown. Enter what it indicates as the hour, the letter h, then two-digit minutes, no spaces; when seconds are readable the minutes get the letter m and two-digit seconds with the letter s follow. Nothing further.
10h26
